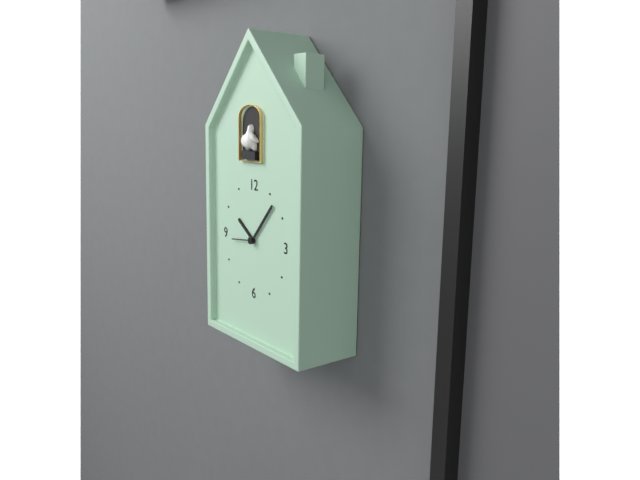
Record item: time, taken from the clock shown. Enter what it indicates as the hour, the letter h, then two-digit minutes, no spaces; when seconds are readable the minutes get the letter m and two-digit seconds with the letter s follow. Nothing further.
10h07
